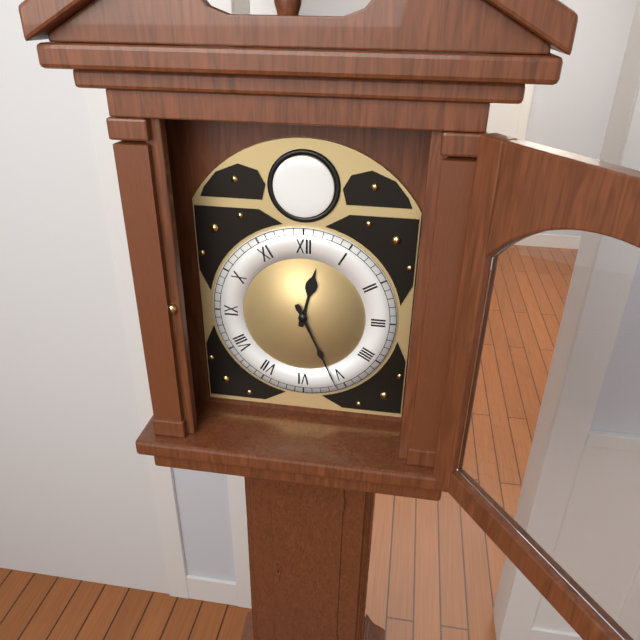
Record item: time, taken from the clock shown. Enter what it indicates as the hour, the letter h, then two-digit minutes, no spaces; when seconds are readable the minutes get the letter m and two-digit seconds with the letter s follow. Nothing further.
12h26
